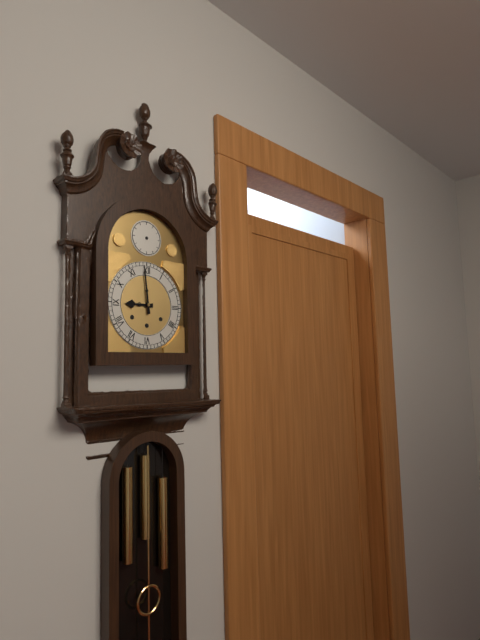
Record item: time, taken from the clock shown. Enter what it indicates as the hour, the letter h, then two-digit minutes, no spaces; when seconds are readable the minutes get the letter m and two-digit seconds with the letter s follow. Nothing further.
8h59
